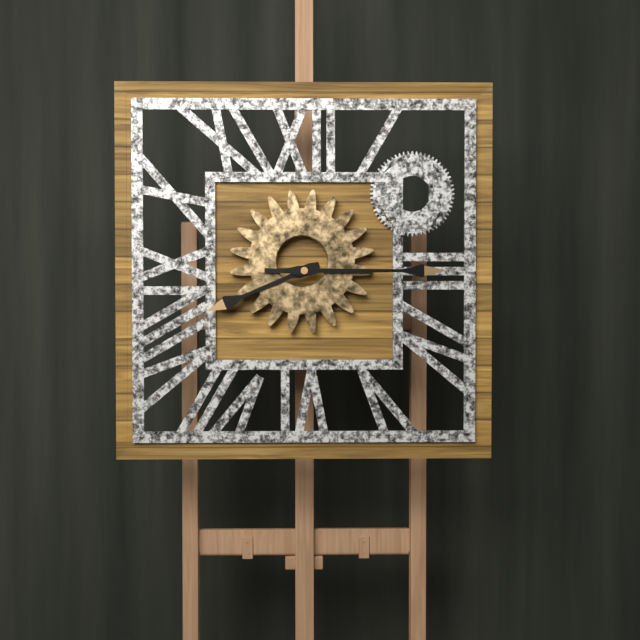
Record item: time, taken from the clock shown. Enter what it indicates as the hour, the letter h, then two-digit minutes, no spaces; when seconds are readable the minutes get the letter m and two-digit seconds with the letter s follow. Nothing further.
8h15
